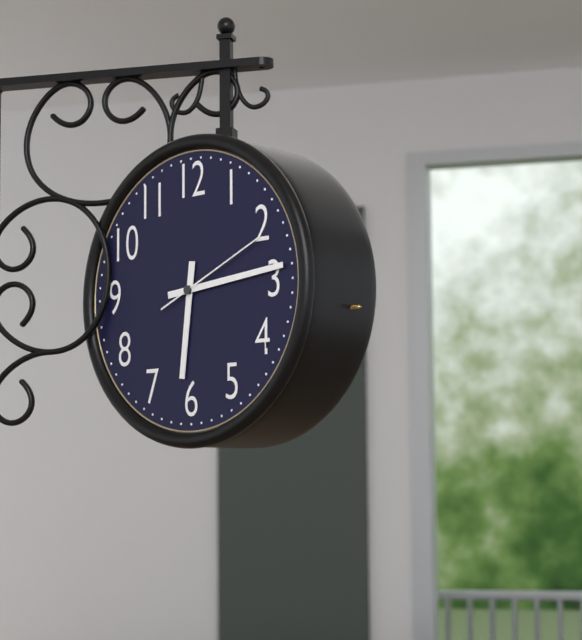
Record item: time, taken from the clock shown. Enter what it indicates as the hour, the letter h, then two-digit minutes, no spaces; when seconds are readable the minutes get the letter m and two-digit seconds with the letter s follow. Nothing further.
6h14m11s
